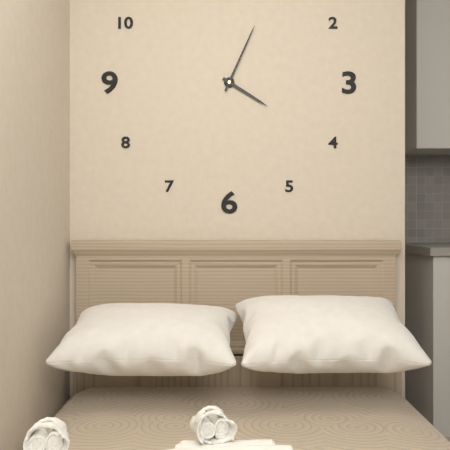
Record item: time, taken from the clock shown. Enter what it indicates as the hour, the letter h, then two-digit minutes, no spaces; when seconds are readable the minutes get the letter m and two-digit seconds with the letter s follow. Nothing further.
4h04
